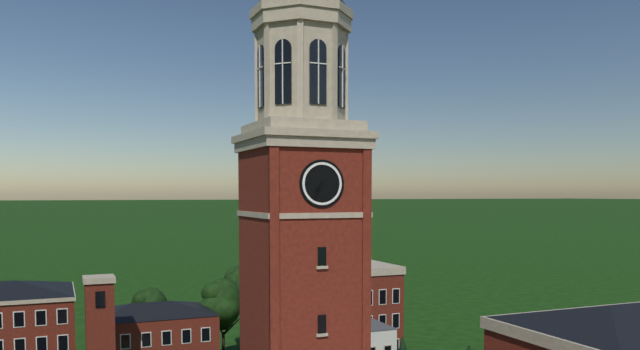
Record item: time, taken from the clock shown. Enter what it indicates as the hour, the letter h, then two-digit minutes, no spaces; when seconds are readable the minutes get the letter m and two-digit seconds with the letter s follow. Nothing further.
7h35
